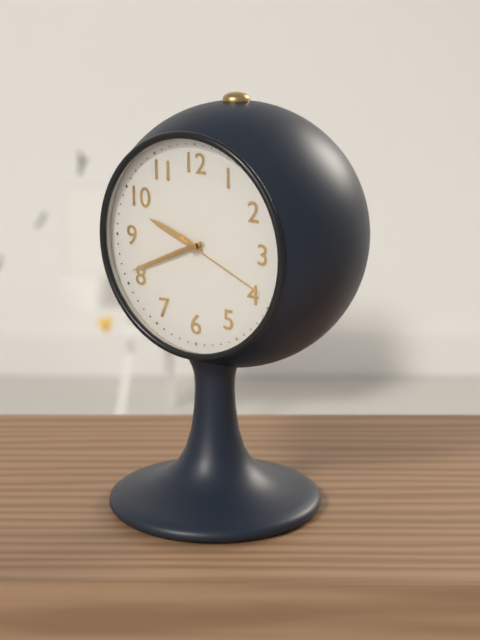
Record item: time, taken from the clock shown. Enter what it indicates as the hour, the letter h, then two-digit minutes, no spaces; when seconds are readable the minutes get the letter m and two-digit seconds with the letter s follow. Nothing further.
9h41m19s
